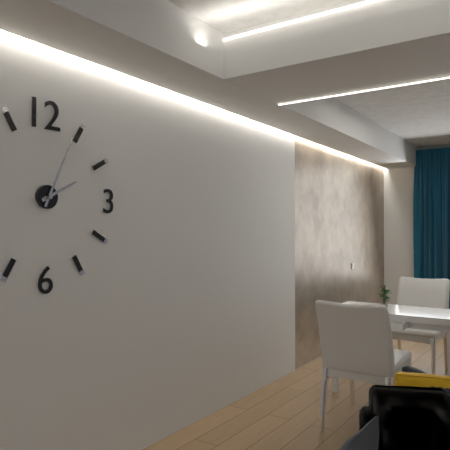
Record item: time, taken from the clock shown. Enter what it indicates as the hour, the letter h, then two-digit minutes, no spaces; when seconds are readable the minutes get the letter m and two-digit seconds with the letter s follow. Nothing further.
2h04
